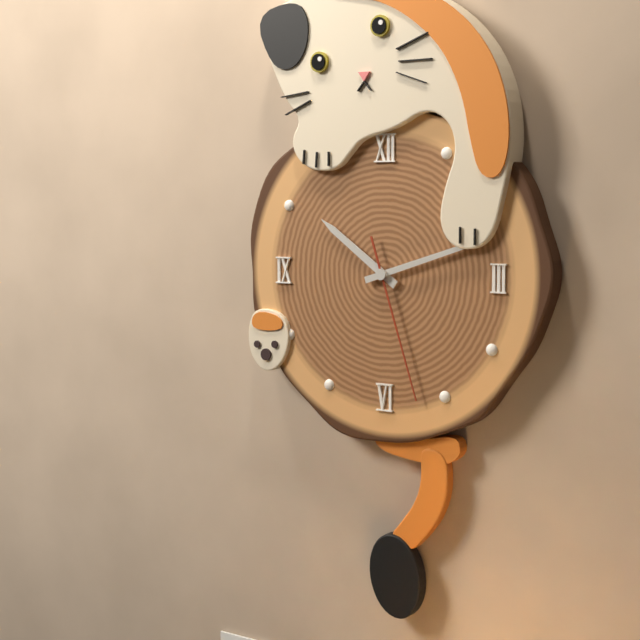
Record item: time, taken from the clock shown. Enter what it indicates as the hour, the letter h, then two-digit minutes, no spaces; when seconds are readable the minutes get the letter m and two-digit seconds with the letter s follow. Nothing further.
10h12m27s
